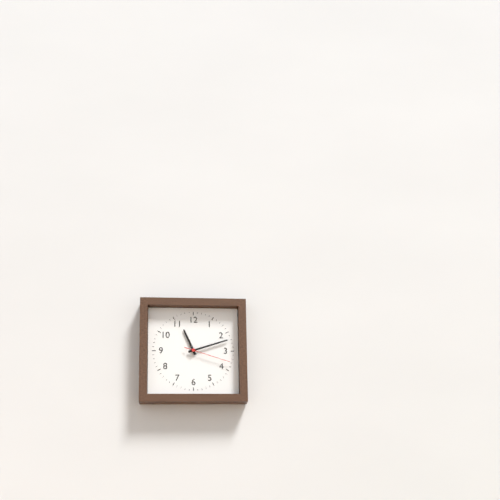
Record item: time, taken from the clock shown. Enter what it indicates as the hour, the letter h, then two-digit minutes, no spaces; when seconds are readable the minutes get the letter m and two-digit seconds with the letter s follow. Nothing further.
11h12
